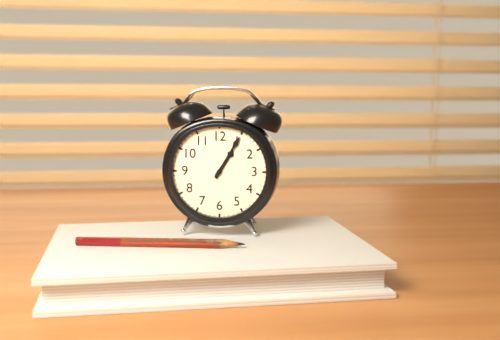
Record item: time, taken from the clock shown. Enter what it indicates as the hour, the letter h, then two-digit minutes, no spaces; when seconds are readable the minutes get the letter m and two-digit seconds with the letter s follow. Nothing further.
1h05
